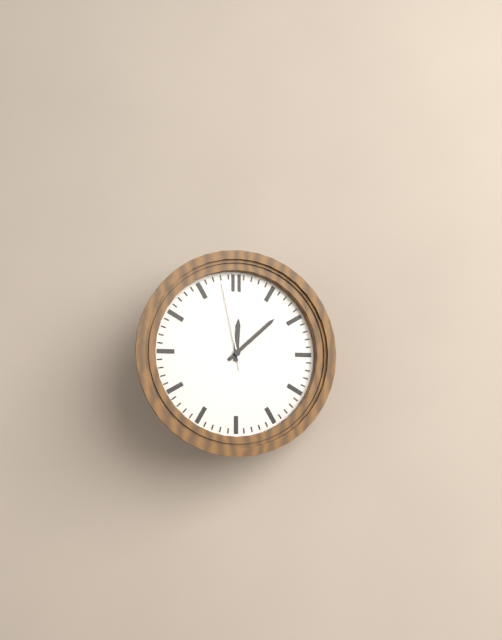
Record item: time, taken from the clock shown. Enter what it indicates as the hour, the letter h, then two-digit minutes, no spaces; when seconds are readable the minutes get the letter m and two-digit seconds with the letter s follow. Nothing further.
12h08m58s
